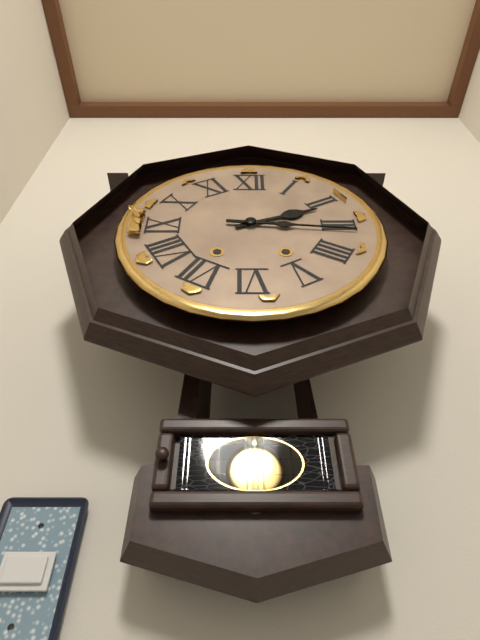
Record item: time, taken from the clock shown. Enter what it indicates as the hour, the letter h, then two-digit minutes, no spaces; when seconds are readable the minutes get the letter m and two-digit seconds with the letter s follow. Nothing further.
2h16
